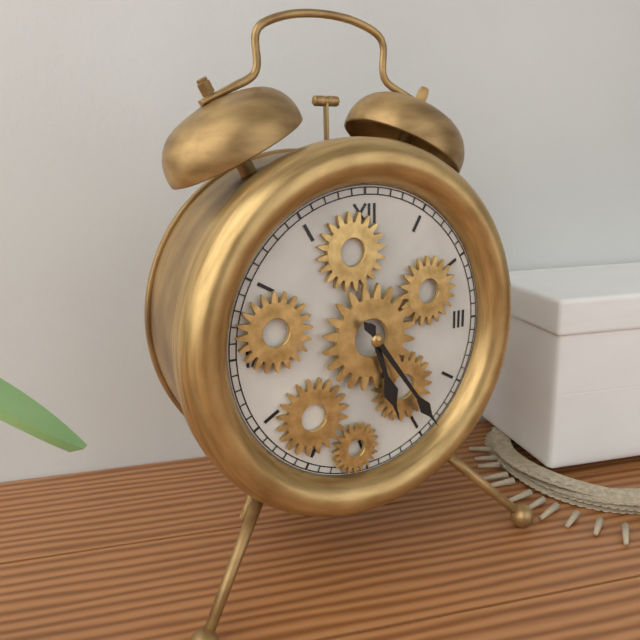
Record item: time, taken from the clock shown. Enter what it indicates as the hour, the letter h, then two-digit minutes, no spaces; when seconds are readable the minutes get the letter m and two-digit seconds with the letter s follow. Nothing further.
5h24
